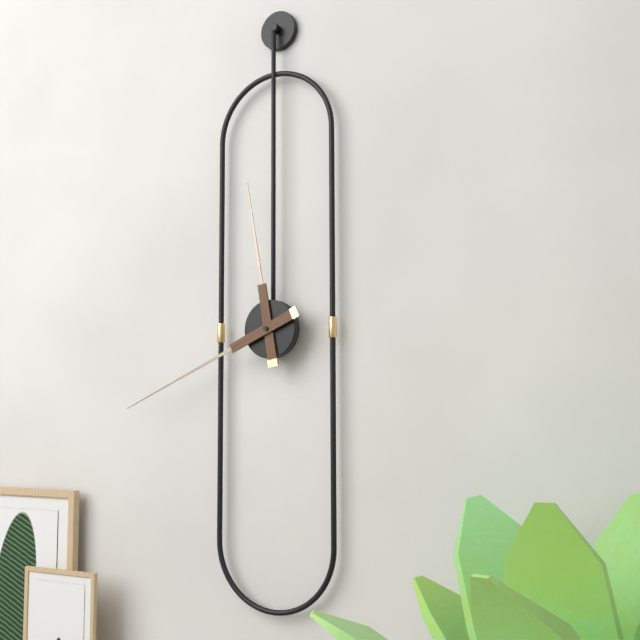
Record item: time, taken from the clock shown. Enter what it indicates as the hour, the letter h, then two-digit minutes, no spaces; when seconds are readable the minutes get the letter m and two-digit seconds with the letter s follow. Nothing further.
11h41
